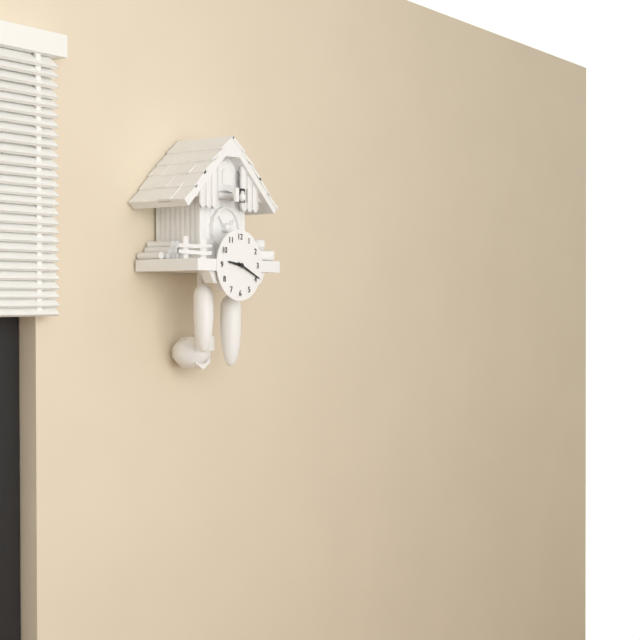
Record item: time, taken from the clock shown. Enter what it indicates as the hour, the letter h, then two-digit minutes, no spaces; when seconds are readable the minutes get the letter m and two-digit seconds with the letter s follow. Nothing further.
9h19
